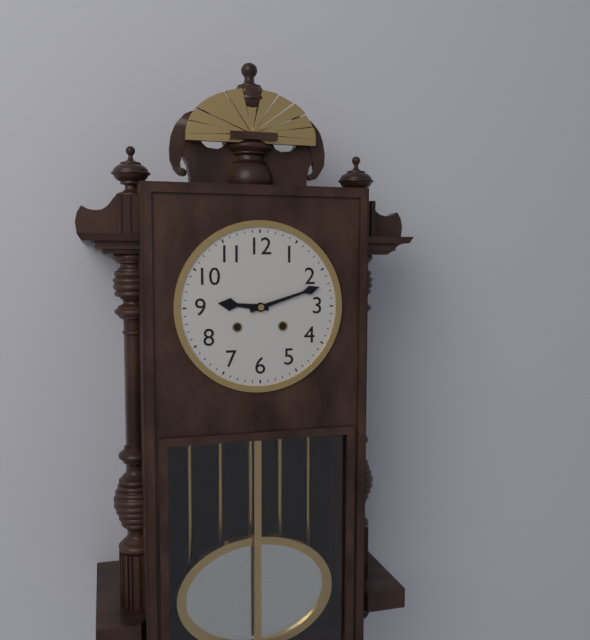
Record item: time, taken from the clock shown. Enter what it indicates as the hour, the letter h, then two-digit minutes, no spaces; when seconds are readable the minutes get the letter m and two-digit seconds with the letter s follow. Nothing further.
9h12
